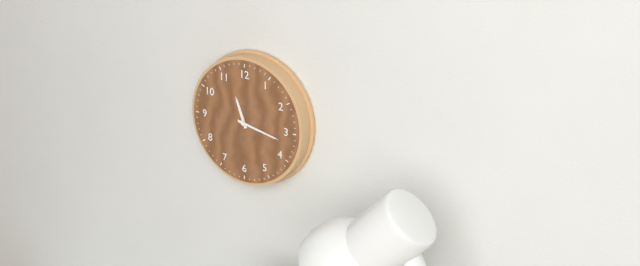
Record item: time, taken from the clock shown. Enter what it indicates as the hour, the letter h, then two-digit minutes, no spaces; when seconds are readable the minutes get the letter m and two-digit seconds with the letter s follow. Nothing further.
11h17
